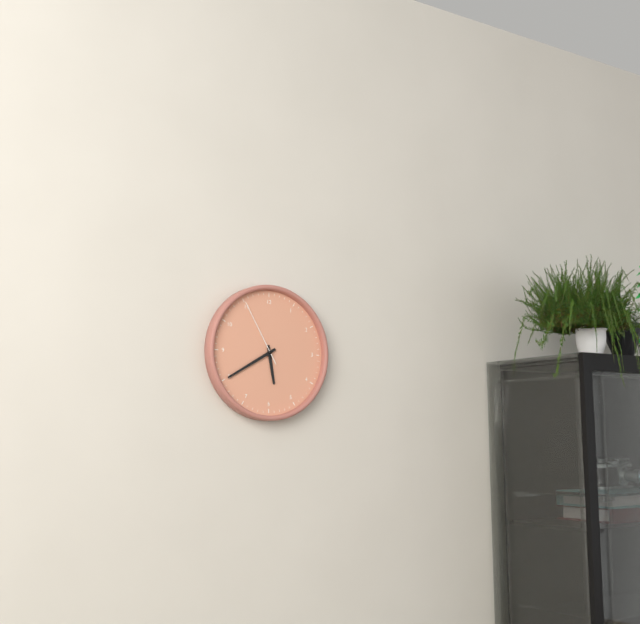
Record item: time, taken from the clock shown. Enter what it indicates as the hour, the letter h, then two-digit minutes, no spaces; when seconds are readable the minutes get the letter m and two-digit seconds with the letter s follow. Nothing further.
5h40m55s
